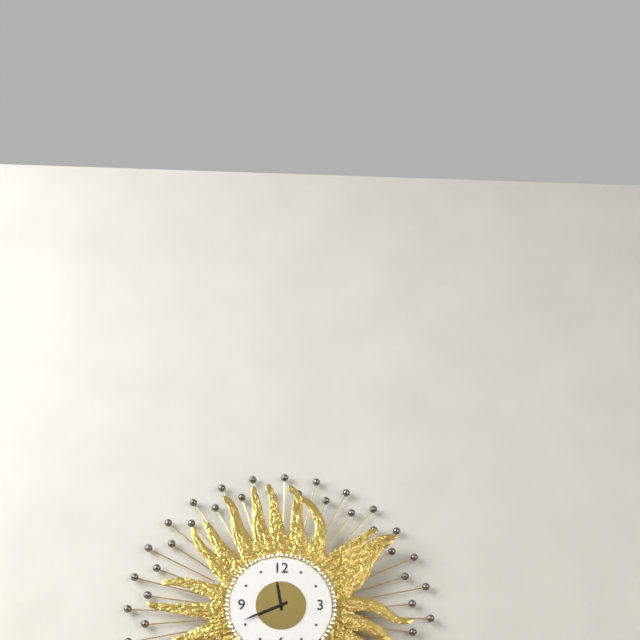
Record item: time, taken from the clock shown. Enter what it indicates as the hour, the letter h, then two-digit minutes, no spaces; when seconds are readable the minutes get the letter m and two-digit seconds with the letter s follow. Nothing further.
11h41
